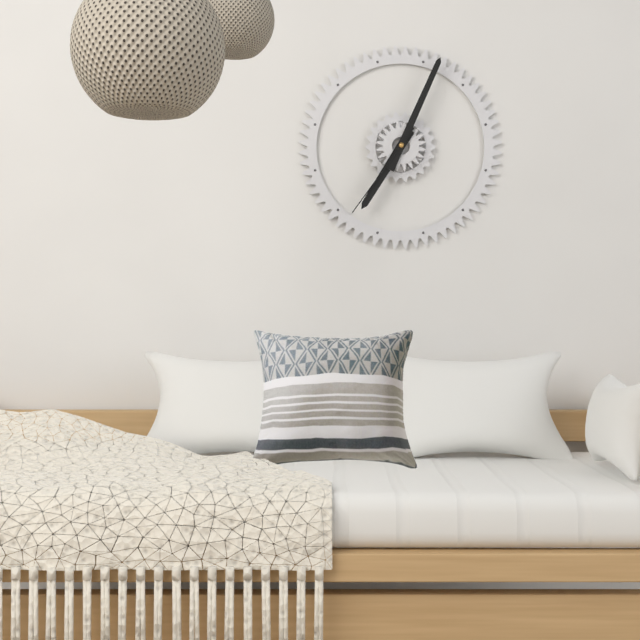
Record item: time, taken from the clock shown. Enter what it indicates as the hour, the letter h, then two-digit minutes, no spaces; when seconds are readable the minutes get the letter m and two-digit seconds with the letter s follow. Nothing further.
7h04m36s
